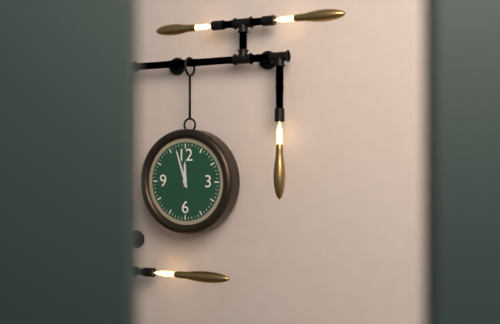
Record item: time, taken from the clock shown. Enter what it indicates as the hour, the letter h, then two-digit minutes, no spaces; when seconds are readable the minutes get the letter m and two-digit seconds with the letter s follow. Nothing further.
11h57
